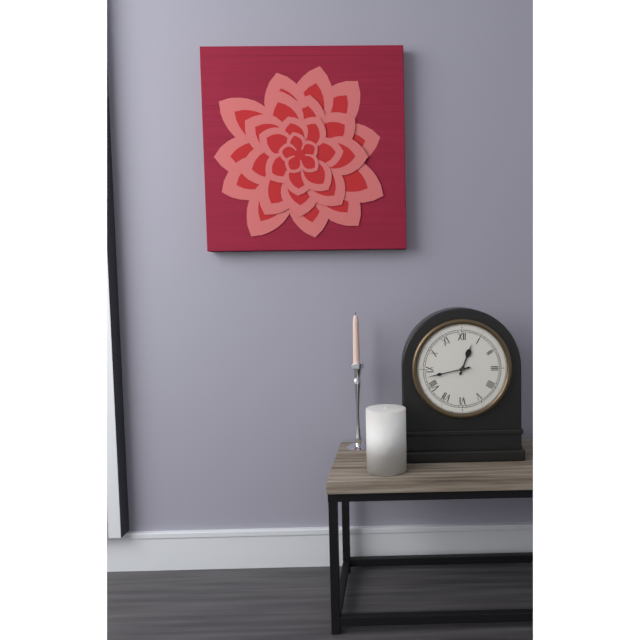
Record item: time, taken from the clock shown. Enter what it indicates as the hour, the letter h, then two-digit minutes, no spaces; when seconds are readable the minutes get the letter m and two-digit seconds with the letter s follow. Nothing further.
12h43
